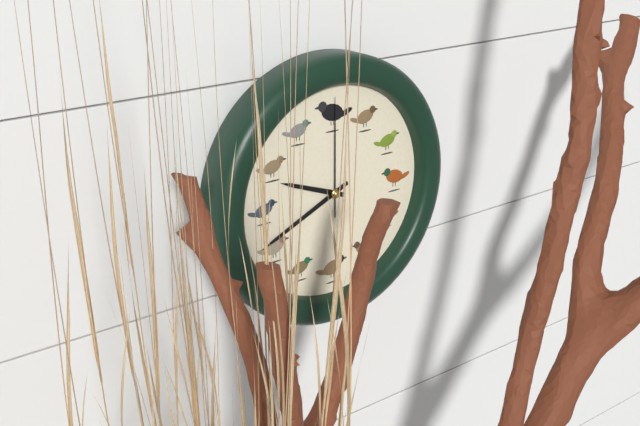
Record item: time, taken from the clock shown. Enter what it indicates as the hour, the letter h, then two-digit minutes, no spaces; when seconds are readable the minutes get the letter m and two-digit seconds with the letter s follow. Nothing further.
9h41m00s
